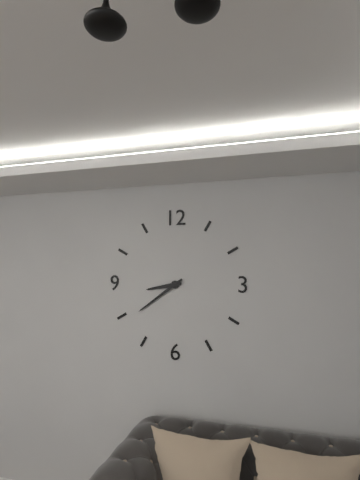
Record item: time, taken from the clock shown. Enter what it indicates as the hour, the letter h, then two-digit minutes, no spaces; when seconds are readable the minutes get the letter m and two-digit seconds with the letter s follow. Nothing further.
8h39
